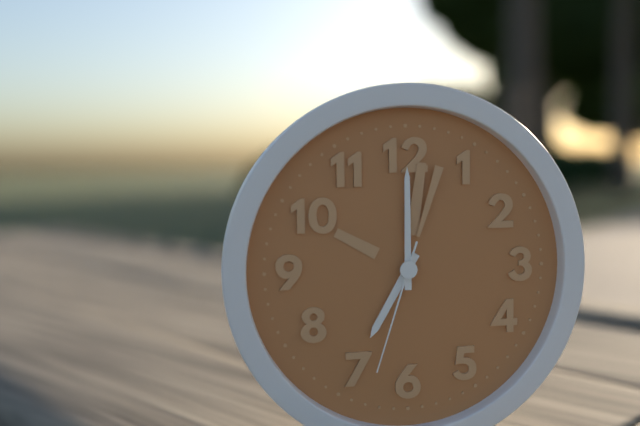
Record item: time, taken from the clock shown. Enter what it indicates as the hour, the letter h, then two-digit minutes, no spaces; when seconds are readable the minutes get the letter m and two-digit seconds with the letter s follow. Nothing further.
7h00m33s
